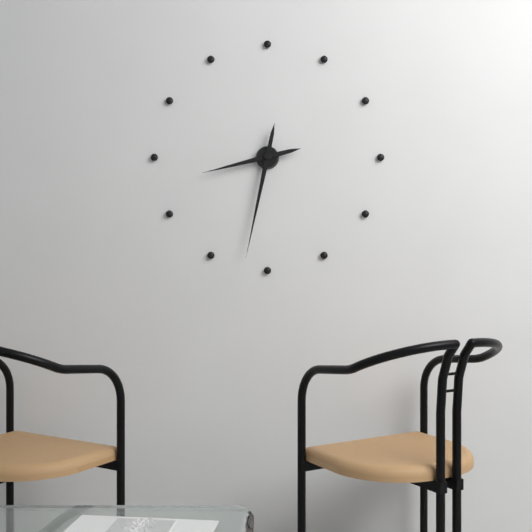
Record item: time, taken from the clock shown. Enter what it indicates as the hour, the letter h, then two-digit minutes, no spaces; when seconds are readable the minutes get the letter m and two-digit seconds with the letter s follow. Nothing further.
8h32
